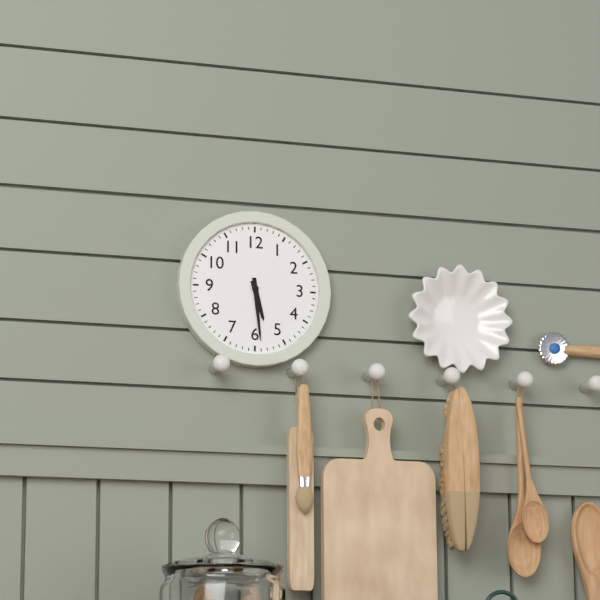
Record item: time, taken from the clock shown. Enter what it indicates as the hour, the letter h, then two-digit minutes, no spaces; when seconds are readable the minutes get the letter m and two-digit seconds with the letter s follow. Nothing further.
5h29
